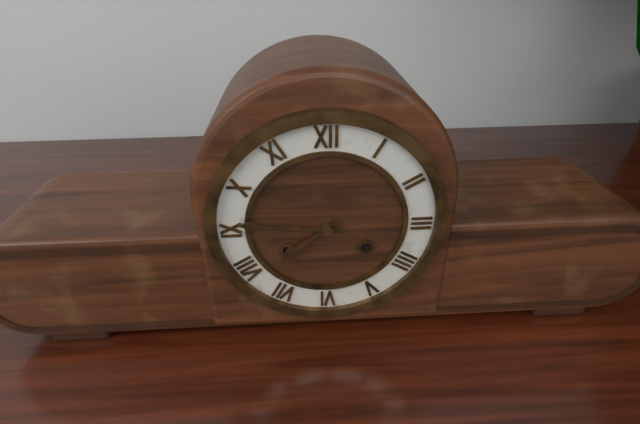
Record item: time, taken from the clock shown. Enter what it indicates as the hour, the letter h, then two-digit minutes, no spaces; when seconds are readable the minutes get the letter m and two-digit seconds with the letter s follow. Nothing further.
7h46
